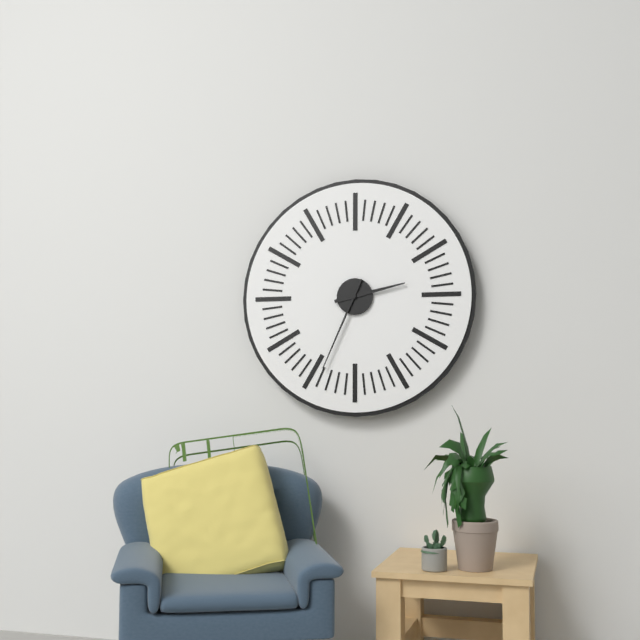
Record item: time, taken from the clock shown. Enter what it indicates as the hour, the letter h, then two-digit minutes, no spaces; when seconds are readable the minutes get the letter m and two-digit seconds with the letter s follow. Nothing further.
2h34
